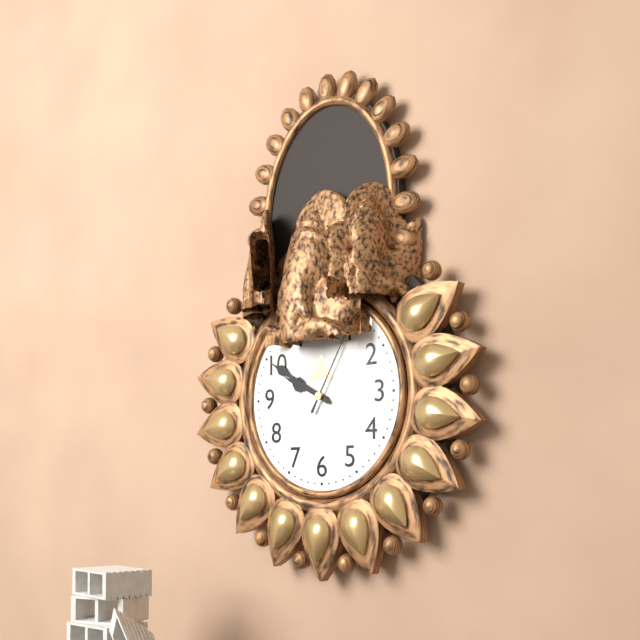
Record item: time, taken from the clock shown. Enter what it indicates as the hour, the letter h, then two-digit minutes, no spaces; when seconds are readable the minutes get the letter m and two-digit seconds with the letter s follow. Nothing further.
9h50m05s
